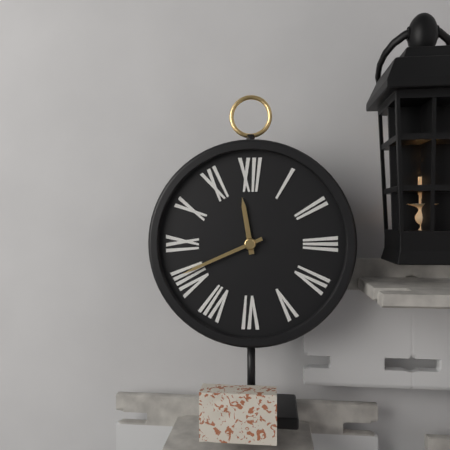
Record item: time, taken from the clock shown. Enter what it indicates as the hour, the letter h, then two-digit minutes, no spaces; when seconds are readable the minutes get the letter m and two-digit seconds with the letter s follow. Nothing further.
11h41
